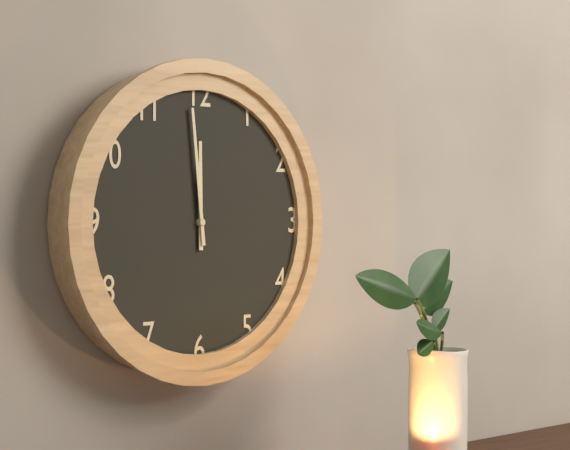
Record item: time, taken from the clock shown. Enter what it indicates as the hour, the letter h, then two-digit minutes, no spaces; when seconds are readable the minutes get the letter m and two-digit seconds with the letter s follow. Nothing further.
11h59
